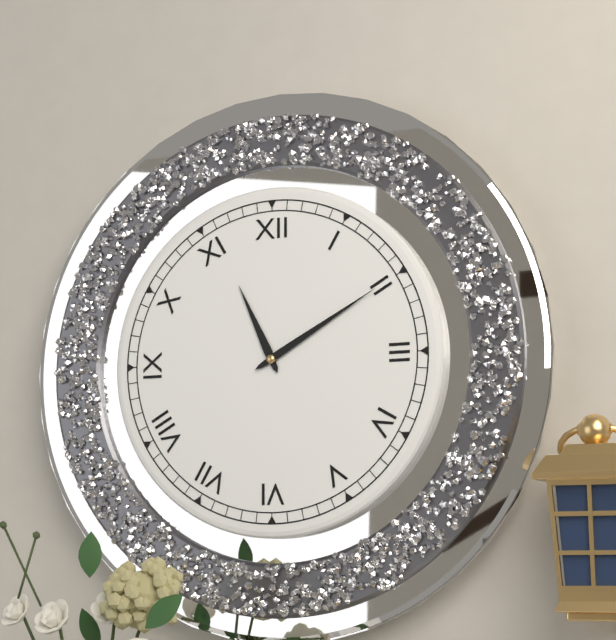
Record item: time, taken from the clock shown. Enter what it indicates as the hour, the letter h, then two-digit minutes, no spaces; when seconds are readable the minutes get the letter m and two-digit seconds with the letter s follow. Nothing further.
11h10
